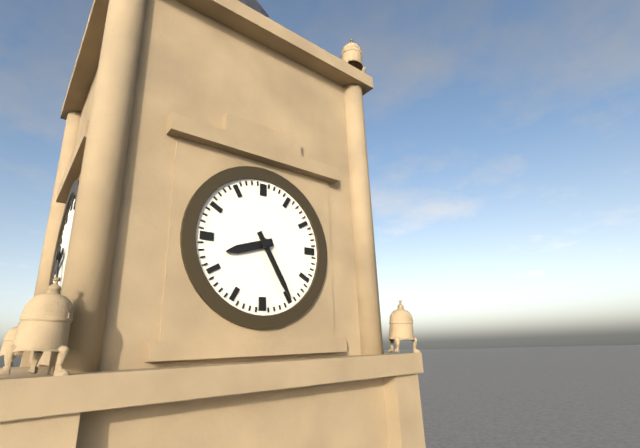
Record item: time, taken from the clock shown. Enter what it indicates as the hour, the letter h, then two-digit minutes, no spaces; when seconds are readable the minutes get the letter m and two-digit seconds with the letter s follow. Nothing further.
8h25
